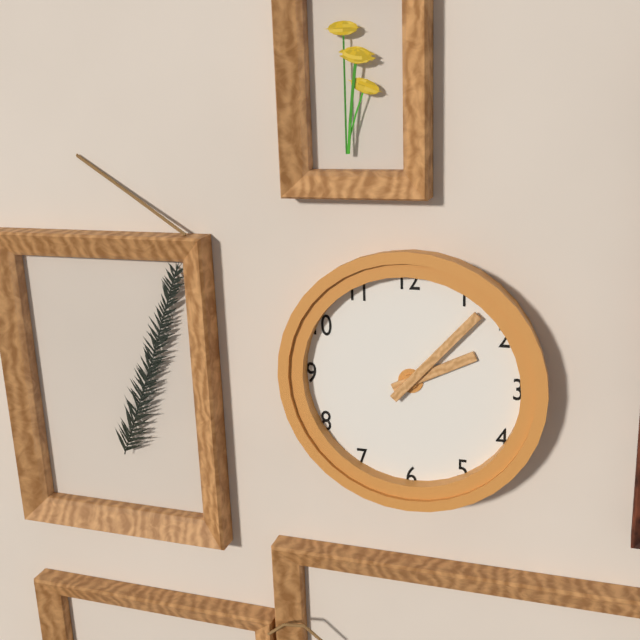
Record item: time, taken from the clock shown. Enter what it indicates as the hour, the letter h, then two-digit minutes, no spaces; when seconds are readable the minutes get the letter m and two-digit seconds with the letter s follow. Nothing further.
2h07
